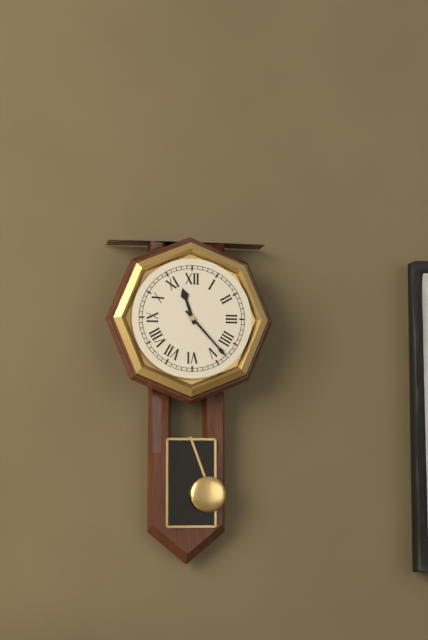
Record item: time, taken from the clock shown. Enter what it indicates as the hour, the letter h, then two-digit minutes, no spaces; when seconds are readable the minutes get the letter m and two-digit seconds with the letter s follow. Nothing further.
11h23
